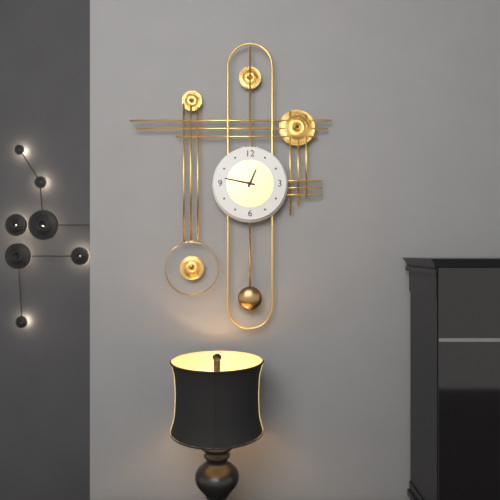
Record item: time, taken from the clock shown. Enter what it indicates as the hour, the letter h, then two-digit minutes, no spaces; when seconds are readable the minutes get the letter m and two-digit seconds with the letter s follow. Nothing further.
12h47
